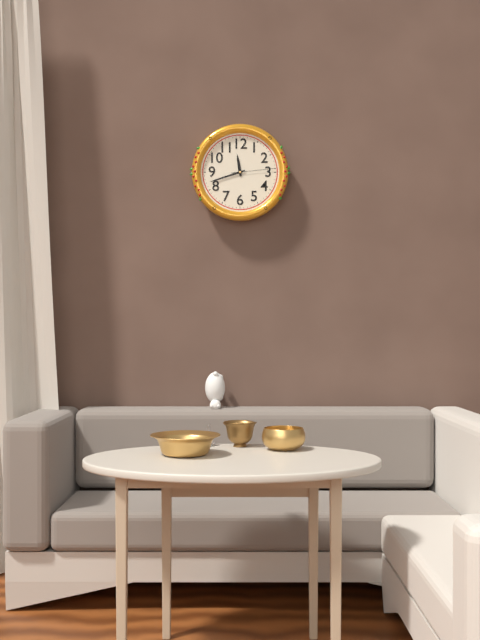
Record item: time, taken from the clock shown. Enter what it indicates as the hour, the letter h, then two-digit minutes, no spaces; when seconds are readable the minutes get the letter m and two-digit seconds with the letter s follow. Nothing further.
11h42
